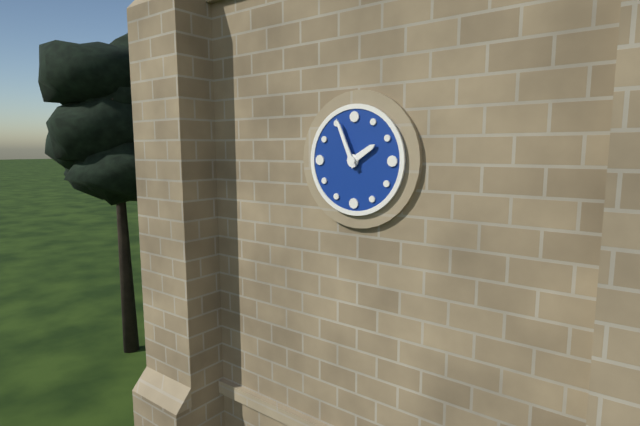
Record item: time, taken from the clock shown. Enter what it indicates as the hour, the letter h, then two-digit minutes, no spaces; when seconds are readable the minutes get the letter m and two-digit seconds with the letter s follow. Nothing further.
1h56
